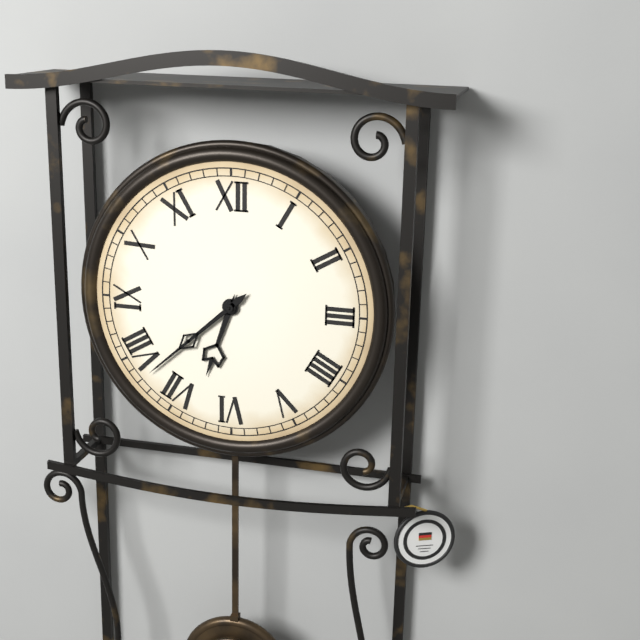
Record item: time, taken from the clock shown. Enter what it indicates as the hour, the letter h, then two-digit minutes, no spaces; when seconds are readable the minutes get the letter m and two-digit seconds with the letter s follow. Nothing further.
6h38
